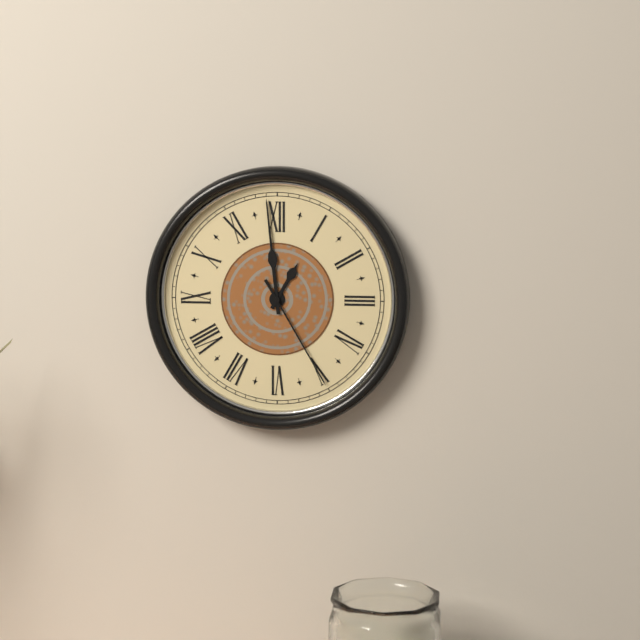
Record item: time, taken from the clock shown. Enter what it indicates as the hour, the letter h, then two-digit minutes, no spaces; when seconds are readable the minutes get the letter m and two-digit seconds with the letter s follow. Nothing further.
12h59m25s
